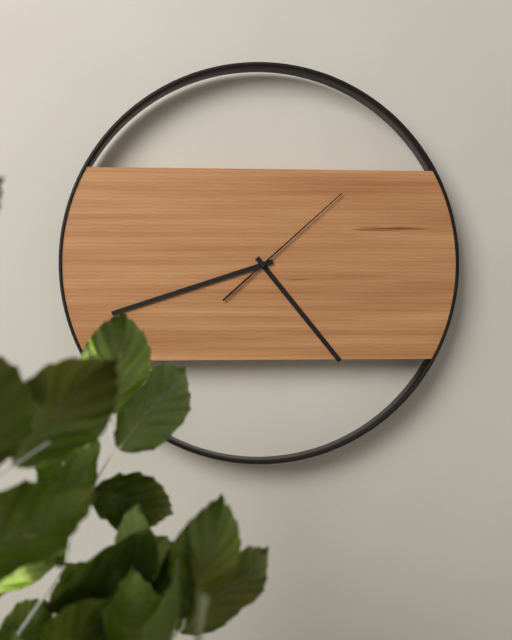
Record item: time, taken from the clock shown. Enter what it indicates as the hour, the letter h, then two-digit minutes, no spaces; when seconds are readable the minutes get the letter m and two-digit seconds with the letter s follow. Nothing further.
4h42m08s
